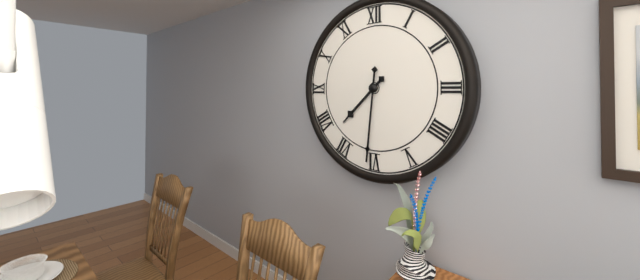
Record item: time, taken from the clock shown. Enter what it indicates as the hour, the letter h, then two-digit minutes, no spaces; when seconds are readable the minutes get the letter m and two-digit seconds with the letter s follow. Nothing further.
7h31
